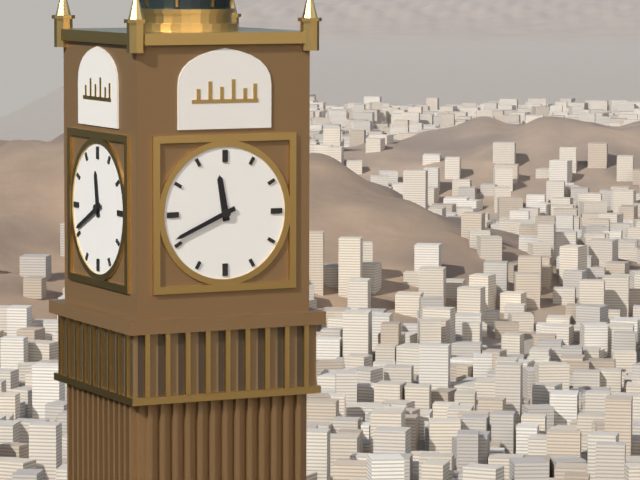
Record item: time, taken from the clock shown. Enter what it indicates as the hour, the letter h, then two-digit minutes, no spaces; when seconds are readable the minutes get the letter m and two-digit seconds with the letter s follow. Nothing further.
11h41
